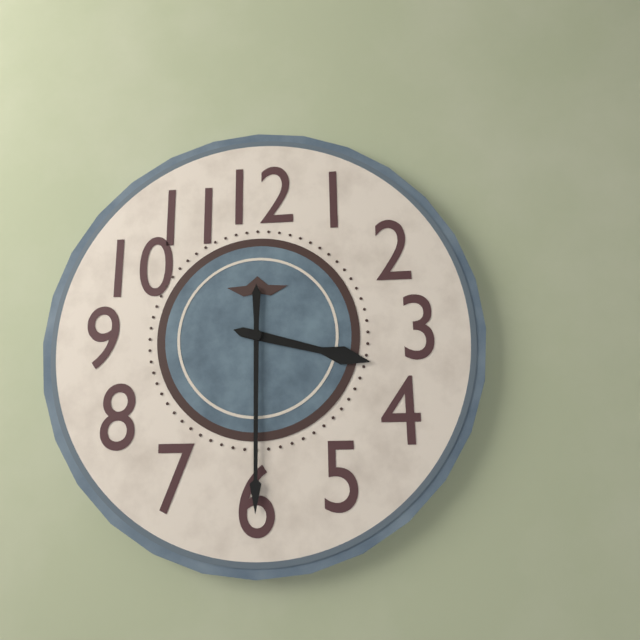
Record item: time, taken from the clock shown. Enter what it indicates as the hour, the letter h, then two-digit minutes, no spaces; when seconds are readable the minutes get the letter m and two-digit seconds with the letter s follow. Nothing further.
3h30
